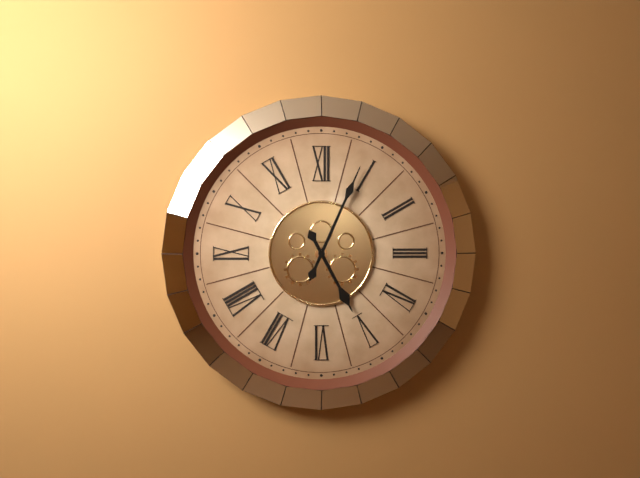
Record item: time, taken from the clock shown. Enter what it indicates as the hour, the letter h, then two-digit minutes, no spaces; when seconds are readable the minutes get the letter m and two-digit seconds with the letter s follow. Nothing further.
5h04
